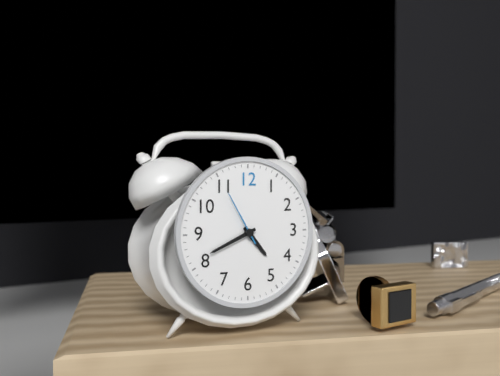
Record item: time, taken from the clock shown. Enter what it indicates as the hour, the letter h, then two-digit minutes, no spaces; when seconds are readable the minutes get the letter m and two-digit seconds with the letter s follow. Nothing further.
4h41m55s
